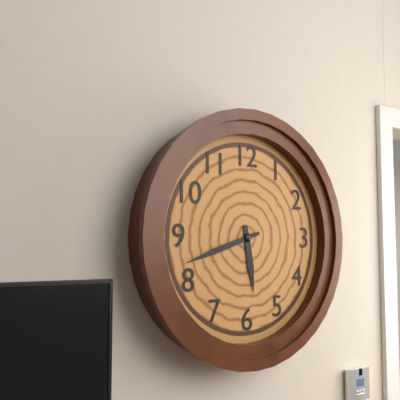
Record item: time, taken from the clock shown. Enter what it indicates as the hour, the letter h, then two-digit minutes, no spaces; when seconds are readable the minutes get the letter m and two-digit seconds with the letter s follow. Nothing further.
5h42
